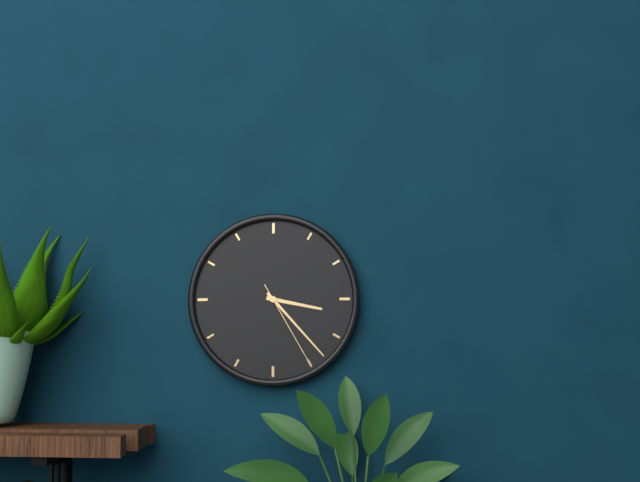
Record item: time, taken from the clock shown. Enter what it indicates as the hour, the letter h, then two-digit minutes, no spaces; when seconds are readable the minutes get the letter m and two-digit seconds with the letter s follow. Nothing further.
3h23m25s
